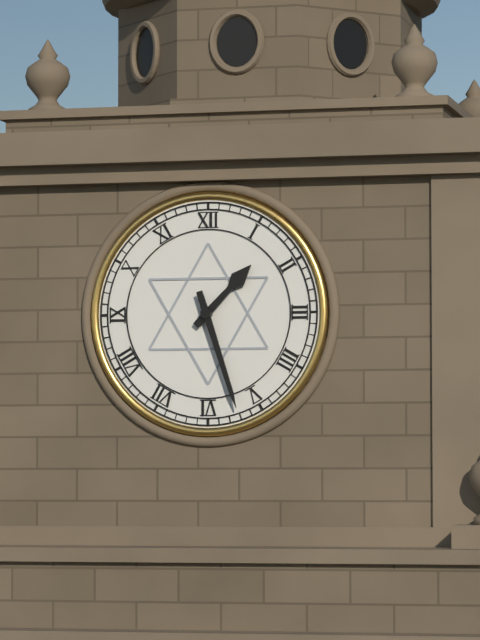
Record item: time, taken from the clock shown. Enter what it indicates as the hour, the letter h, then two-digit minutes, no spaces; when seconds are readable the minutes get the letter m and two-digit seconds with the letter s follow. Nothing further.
1h27
